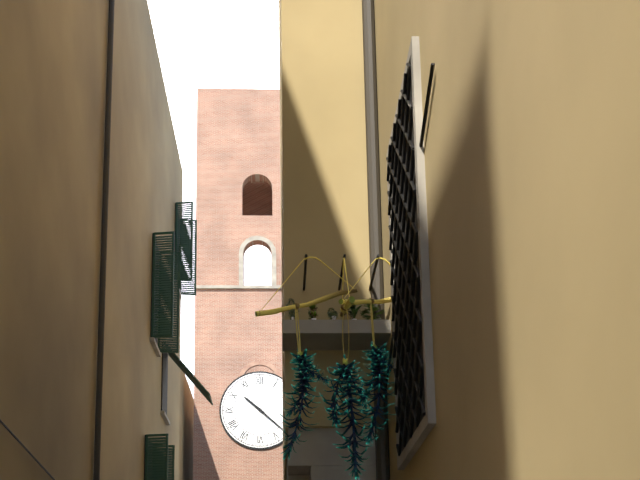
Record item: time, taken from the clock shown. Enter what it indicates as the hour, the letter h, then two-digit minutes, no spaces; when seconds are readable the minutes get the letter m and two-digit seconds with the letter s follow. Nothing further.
10h22
